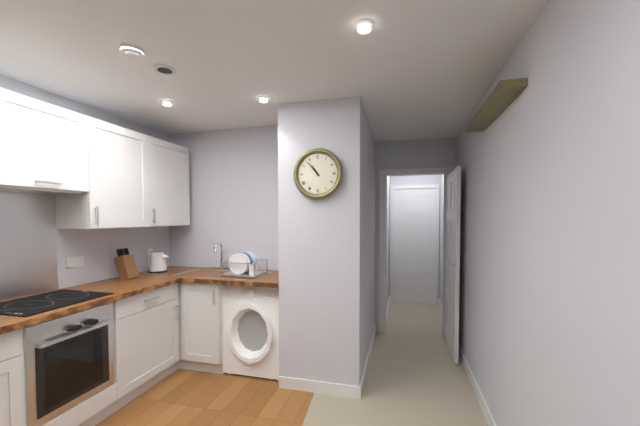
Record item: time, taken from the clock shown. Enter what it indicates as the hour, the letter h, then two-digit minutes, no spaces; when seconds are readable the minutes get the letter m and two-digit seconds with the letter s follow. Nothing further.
10h53
